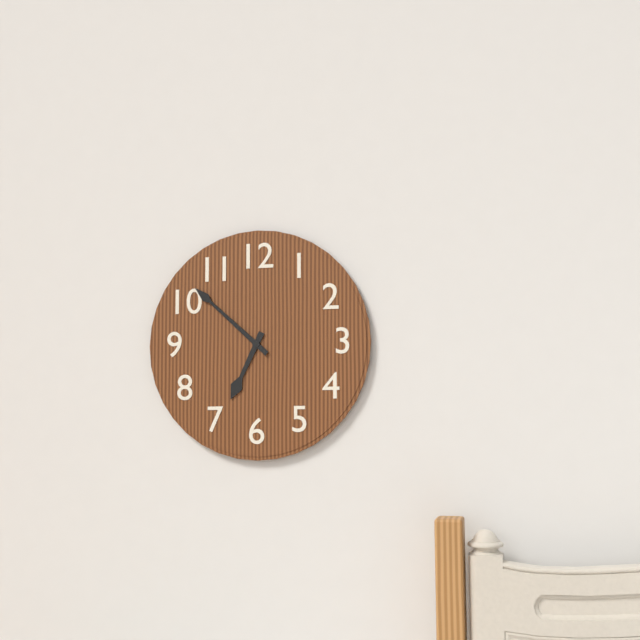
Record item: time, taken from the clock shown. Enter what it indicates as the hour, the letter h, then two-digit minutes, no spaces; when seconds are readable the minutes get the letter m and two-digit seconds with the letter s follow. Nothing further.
6h52
